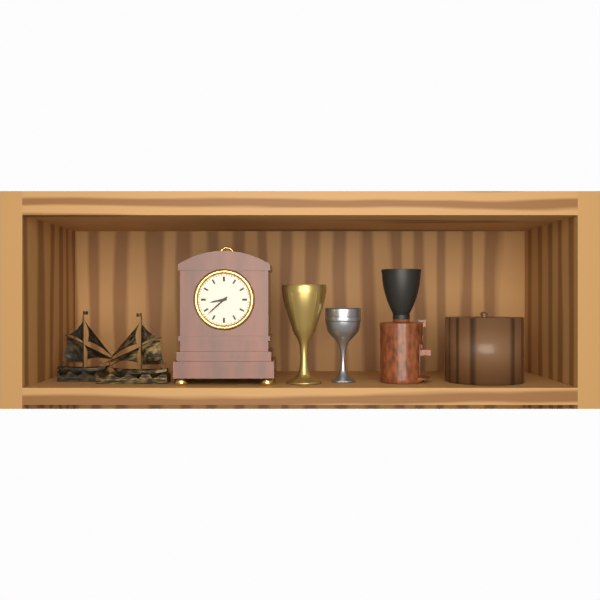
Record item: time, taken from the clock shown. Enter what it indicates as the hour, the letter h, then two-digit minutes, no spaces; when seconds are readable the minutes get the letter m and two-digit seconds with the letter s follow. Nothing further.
8h38
